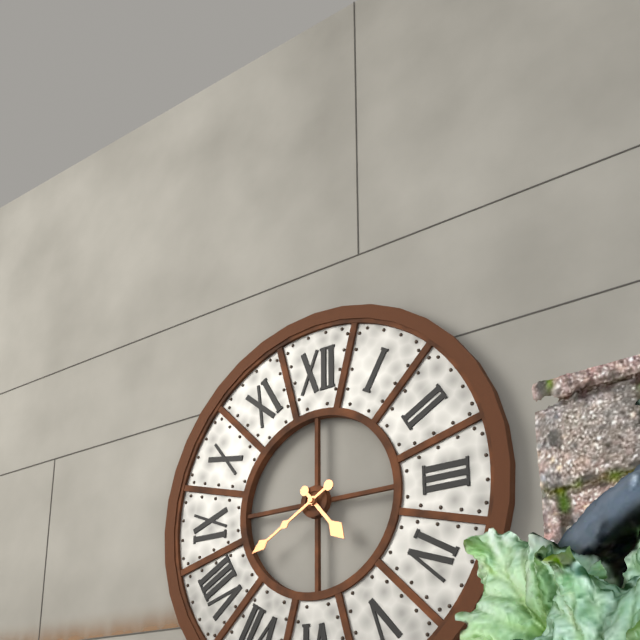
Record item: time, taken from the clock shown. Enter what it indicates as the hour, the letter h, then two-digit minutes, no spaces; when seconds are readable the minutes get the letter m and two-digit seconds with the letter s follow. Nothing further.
4h40
